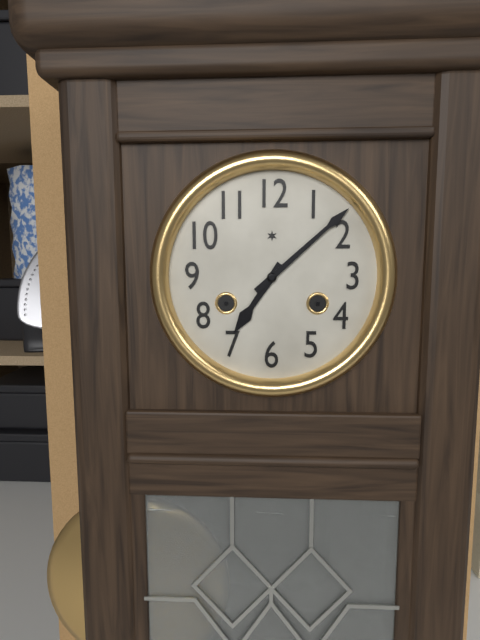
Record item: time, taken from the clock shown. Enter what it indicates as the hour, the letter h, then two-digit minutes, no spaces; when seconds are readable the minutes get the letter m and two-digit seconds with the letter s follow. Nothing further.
7h08
